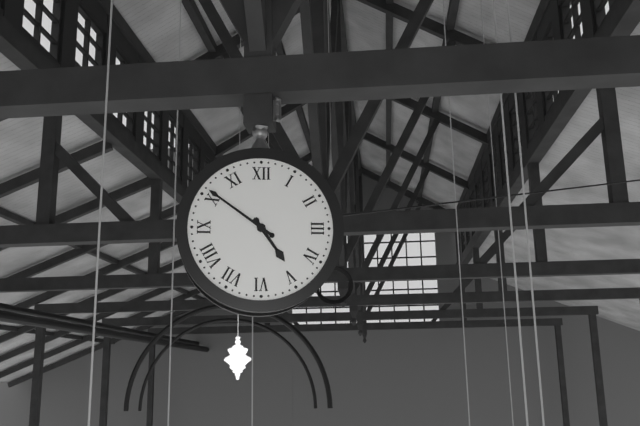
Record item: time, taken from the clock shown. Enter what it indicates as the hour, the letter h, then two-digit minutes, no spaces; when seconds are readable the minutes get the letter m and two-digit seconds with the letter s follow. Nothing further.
4h51
